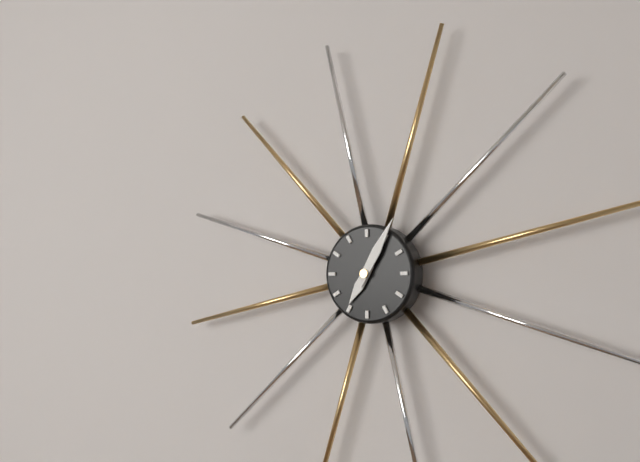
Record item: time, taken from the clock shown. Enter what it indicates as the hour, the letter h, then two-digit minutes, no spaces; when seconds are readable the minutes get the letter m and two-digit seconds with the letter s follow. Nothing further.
7h05
